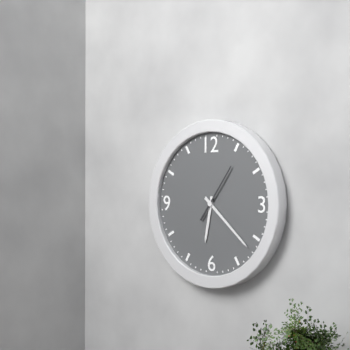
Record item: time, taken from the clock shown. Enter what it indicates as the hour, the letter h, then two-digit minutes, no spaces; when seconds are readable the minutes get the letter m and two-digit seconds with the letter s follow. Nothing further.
6h22m06s
